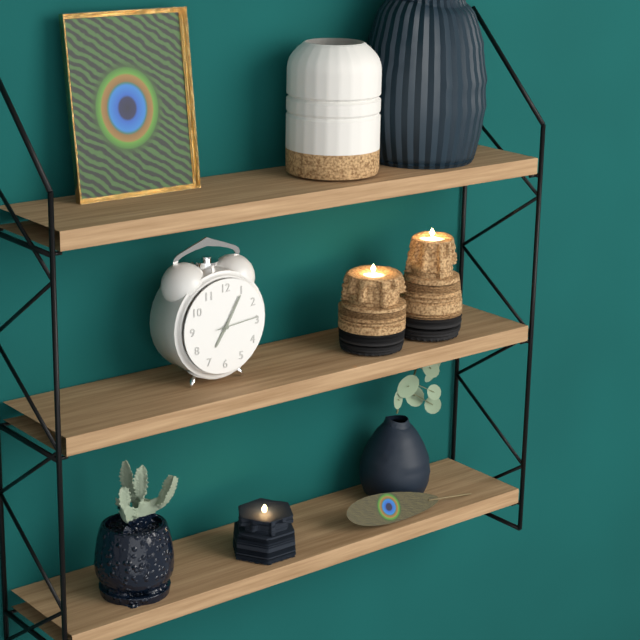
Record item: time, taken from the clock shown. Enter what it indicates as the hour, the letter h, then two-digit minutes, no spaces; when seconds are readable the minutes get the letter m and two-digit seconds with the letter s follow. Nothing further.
7h05
